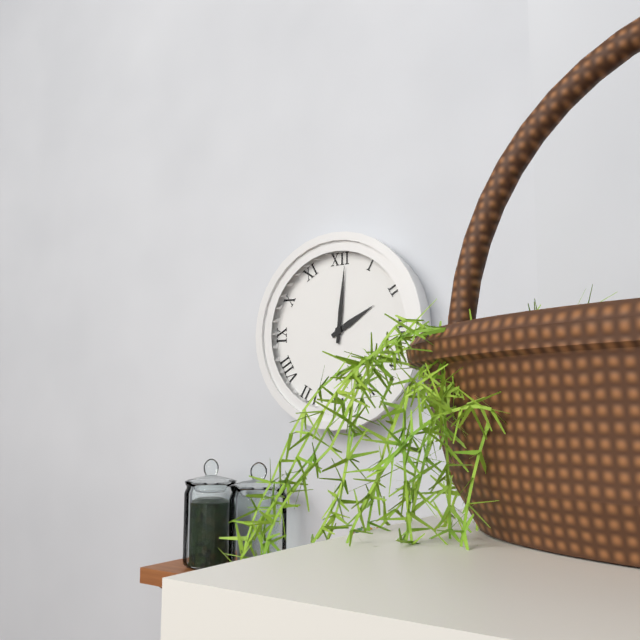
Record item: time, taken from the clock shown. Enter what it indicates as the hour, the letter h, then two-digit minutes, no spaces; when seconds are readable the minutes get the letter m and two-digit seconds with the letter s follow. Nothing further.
2h01
